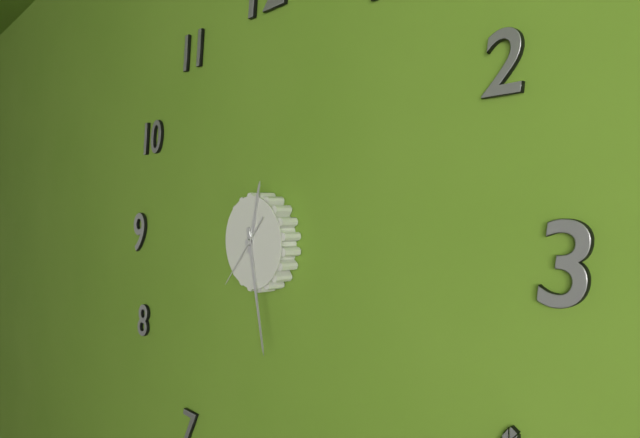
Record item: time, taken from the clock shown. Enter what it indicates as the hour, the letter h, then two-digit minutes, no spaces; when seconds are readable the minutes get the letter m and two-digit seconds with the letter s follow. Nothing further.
12h28m37s
